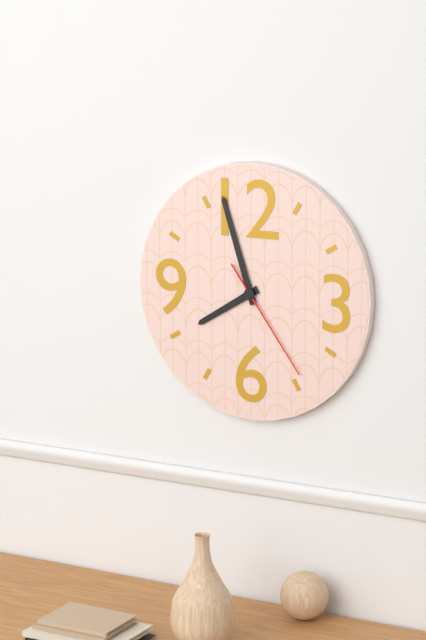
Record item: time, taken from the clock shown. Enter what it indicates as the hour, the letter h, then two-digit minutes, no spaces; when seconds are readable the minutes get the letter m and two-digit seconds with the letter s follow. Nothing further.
7h57m24s
